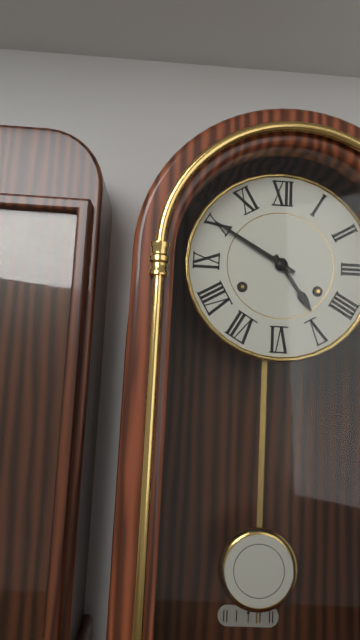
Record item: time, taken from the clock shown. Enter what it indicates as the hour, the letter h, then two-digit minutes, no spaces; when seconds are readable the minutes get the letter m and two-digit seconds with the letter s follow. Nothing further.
4h50
